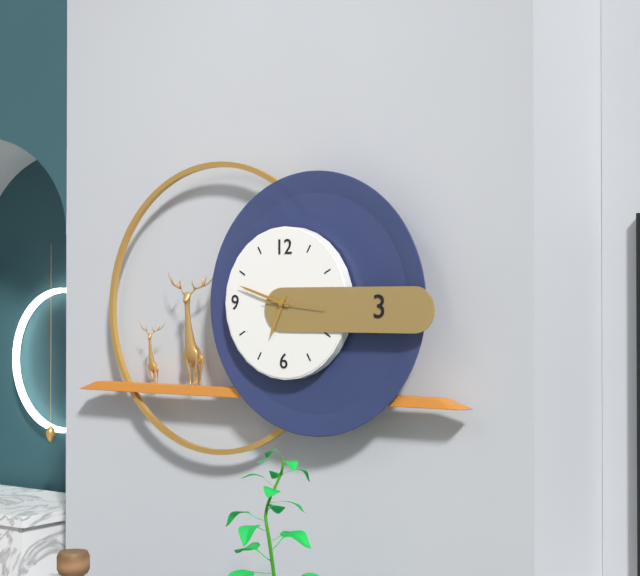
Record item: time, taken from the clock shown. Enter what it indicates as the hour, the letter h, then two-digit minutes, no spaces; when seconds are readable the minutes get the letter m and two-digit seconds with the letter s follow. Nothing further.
6h48m16s
